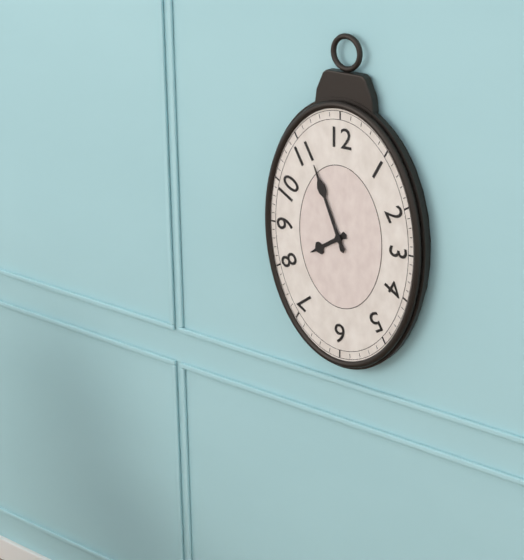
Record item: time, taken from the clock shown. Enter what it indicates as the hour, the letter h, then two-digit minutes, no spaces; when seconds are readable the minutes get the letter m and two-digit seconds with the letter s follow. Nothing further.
7h56
